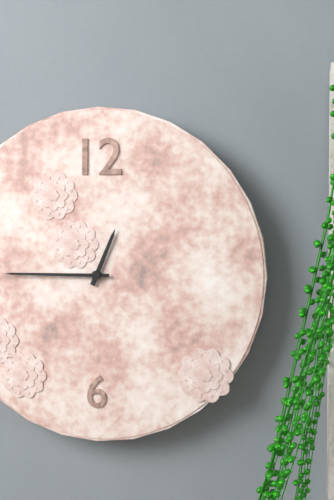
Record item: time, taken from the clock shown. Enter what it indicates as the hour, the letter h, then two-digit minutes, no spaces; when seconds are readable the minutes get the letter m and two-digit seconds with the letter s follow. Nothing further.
12h45
